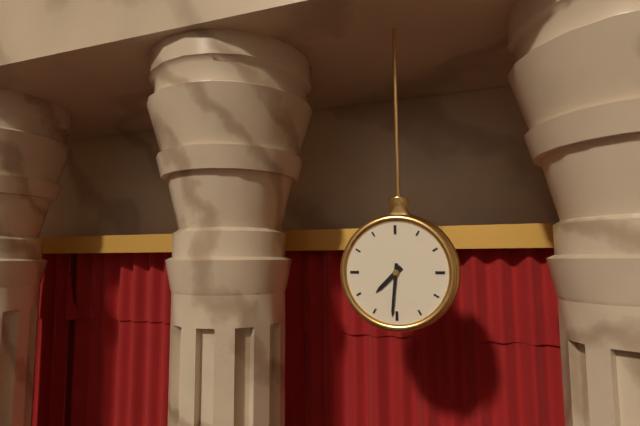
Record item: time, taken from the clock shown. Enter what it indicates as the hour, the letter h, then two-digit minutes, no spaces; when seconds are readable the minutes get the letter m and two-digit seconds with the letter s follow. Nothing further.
7h31
